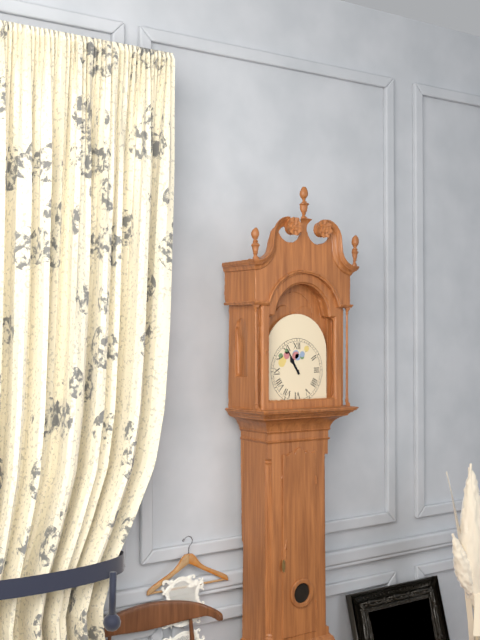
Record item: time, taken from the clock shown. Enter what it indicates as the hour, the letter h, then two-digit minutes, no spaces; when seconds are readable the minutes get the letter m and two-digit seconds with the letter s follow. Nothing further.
10h55
